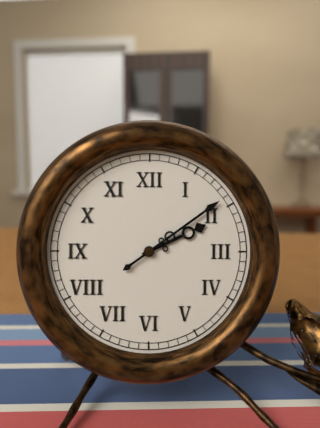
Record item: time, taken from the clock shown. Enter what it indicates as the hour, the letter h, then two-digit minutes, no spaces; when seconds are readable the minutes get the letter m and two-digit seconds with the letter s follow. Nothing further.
2h09
